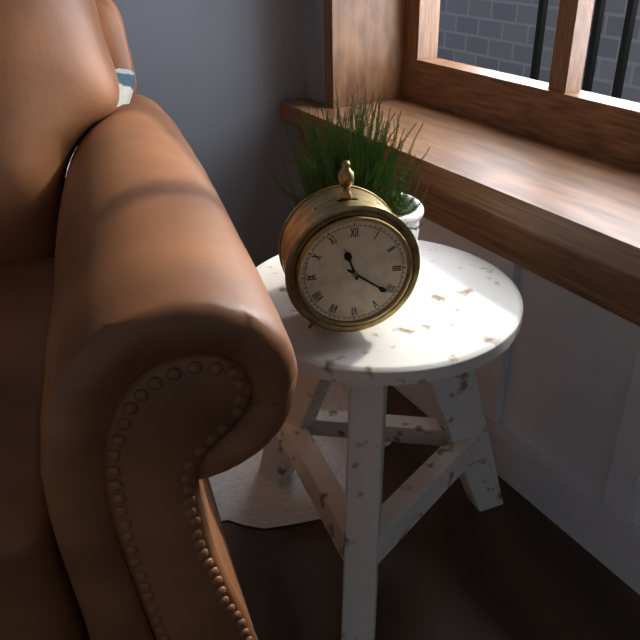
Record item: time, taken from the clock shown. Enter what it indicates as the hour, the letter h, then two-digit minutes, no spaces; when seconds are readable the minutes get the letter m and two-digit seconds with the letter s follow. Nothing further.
11h21
